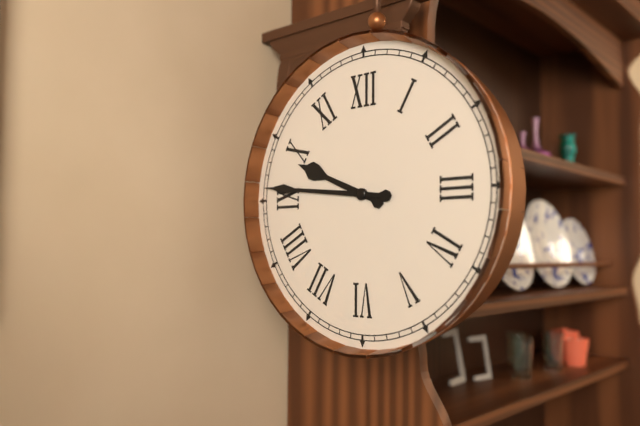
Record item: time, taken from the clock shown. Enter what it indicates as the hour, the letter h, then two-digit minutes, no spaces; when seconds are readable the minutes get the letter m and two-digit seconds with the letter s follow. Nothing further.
9h46
